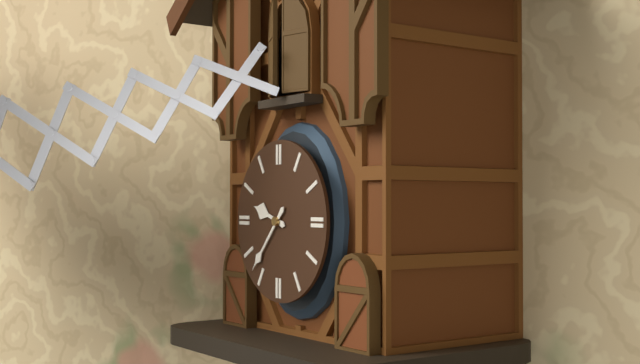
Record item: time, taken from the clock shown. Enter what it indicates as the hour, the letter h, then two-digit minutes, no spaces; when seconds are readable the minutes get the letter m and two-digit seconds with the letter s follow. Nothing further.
9h37
